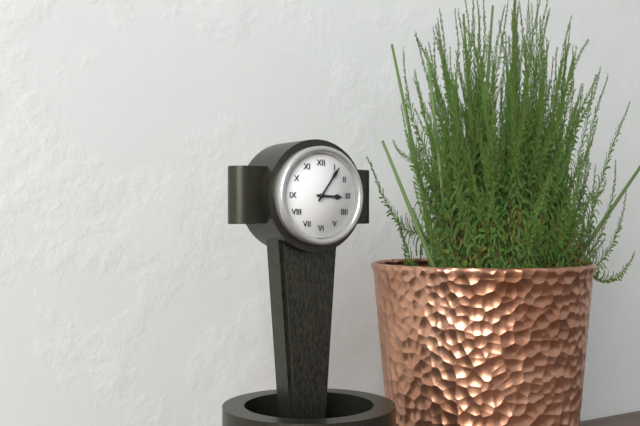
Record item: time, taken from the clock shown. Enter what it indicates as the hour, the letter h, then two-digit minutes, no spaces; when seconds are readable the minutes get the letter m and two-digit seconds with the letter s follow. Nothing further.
3h06
